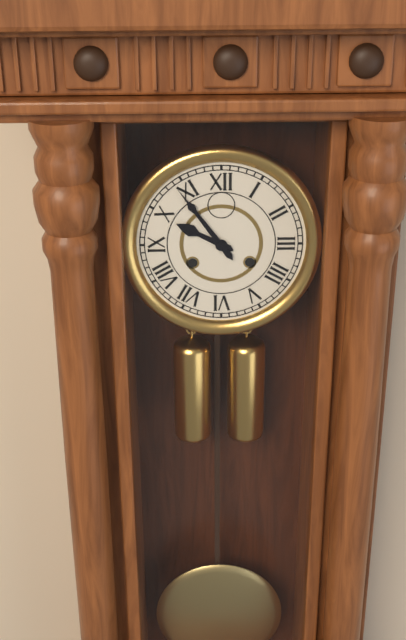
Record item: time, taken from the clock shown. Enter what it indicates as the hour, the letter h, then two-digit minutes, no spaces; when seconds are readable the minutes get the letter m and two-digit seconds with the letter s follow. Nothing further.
9h54
